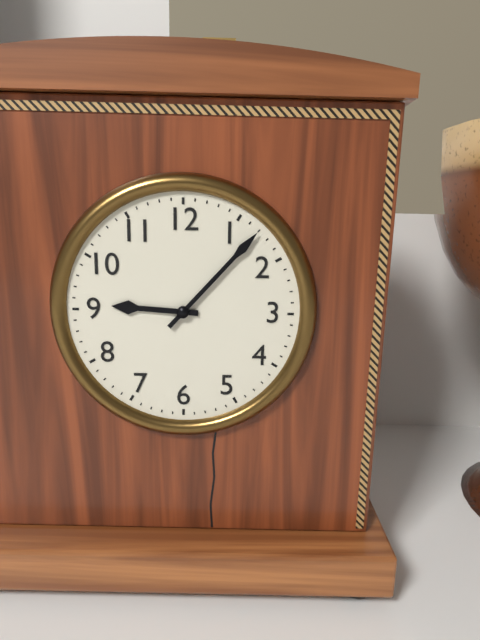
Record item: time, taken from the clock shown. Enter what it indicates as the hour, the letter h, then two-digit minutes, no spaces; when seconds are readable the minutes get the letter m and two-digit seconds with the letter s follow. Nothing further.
9h07
